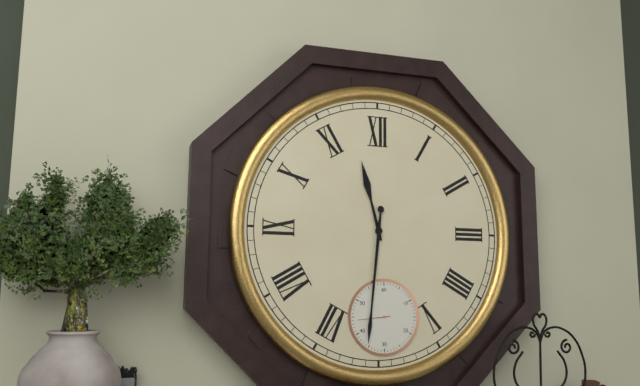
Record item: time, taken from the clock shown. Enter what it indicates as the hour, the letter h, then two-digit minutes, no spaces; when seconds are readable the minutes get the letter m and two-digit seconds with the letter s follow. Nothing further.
11h31
